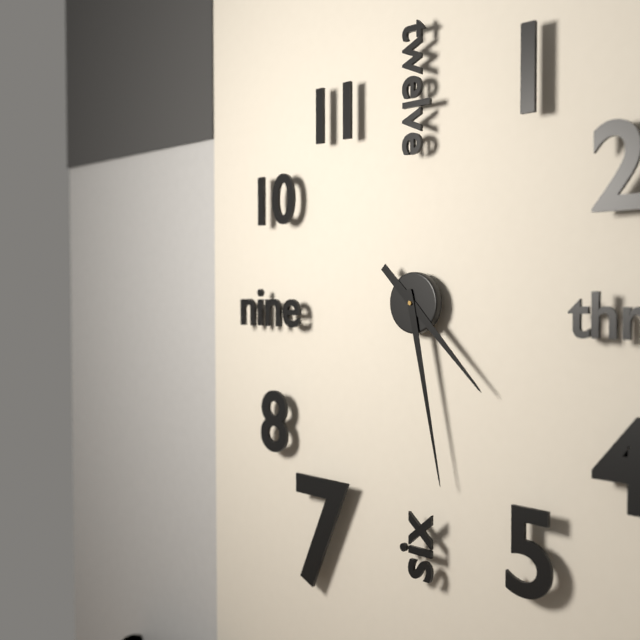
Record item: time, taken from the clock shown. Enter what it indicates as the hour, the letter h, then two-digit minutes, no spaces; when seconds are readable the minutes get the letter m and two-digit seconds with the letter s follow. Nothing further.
4h28
